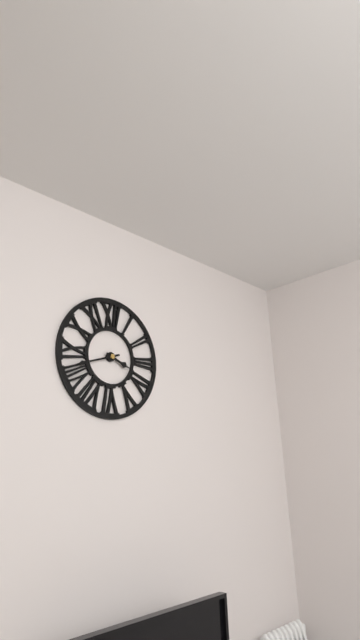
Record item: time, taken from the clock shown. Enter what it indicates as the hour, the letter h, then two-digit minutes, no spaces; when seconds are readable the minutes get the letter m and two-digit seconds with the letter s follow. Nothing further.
3h42
